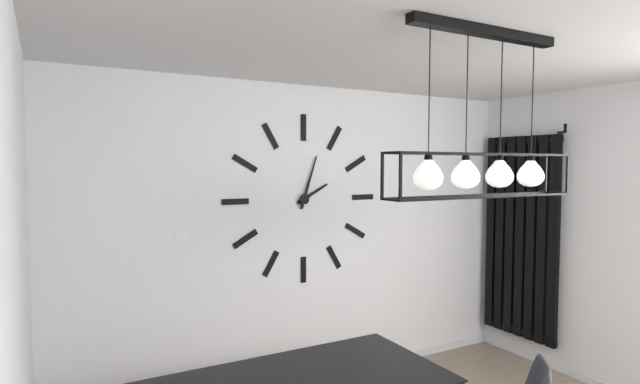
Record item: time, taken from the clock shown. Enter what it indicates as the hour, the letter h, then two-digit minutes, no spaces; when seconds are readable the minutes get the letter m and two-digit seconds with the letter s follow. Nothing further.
2h03
